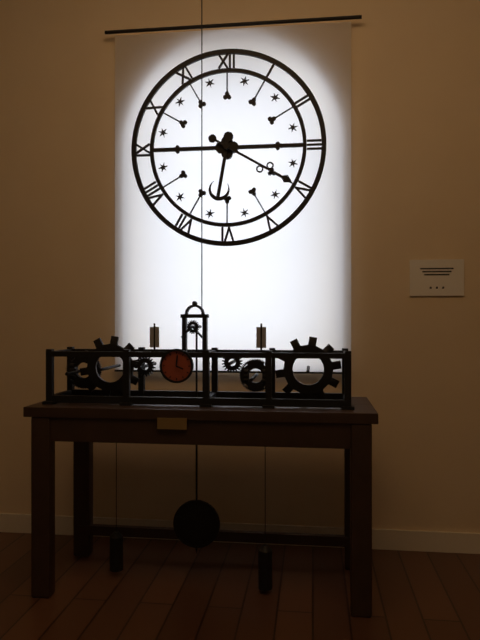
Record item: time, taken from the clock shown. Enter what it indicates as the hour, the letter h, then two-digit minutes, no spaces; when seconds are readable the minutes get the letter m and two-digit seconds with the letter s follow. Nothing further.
6h20
